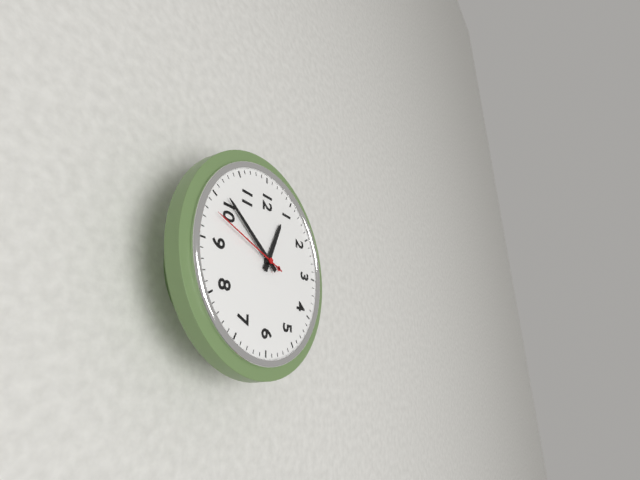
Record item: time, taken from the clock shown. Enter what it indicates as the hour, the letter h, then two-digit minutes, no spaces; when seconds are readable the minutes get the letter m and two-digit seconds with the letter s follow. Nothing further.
12h51m48s
